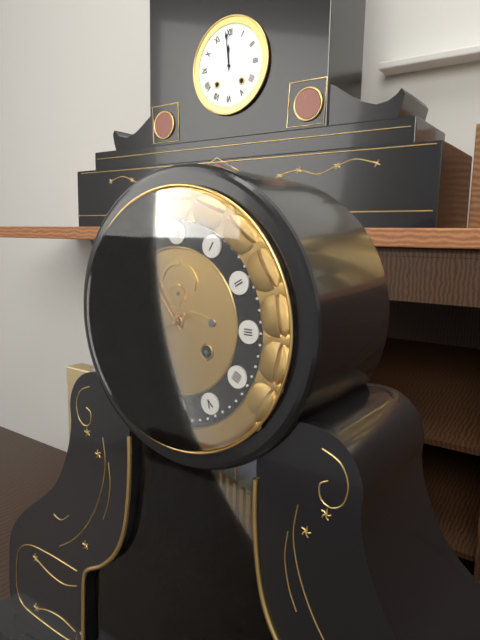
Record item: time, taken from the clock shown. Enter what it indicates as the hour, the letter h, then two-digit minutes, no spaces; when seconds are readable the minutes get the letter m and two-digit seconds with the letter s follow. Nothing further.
10h39
